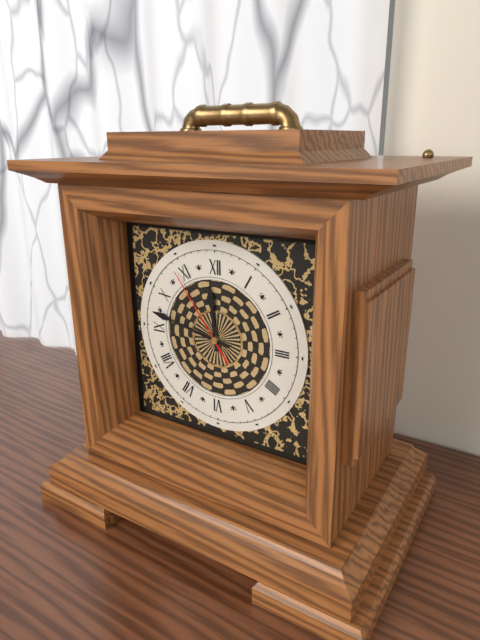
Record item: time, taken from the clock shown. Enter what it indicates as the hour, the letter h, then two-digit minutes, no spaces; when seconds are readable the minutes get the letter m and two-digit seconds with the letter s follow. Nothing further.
11h47m54s
